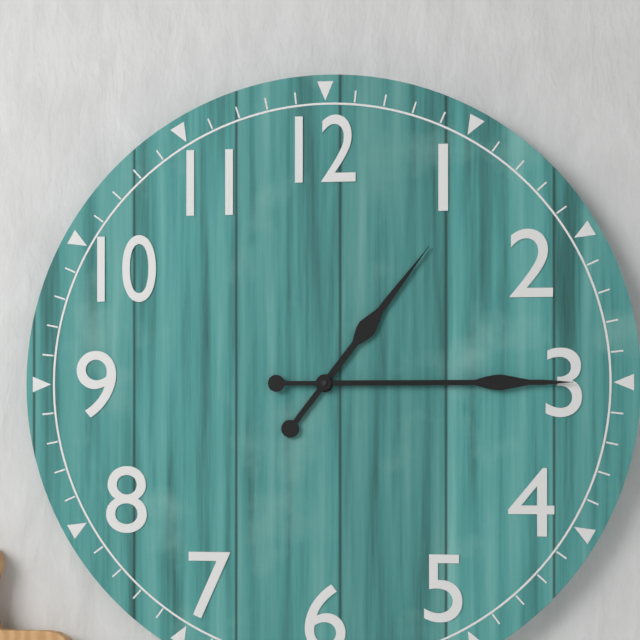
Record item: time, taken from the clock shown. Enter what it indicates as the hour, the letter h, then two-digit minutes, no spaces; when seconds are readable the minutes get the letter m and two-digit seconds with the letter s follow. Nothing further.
1h15
